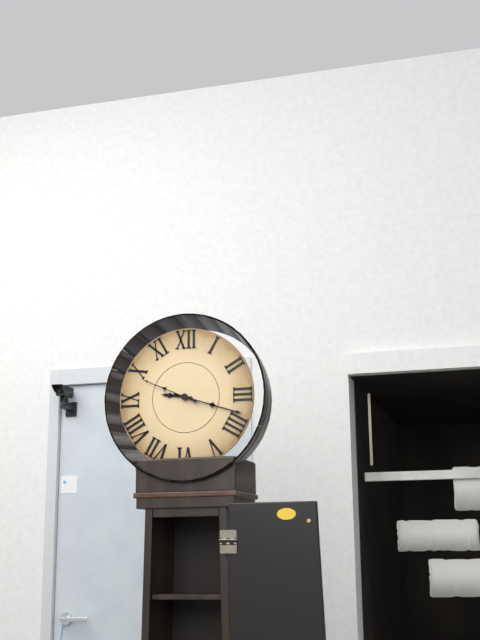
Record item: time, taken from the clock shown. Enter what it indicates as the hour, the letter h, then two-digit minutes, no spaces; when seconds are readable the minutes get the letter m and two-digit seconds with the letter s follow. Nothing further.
9h18m49s
